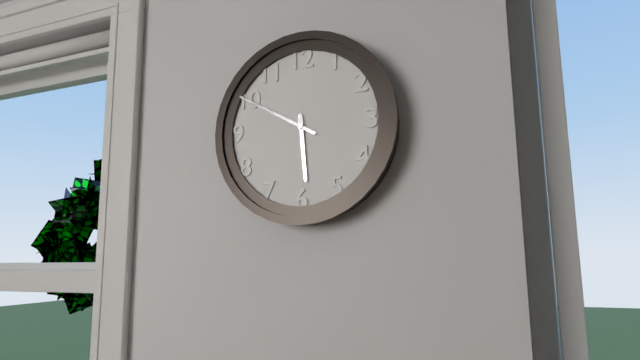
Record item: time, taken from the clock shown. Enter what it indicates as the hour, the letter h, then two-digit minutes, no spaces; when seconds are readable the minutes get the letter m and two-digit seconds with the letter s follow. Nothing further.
5h50
